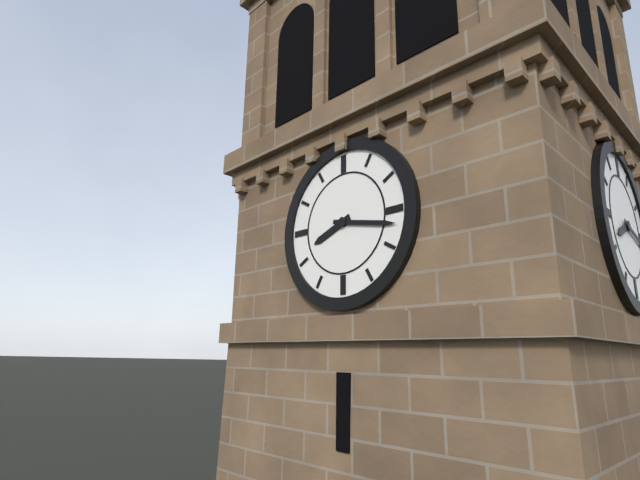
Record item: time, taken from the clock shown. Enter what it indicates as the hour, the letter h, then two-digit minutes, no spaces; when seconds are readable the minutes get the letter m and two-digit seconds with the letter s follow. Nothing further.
8h17
